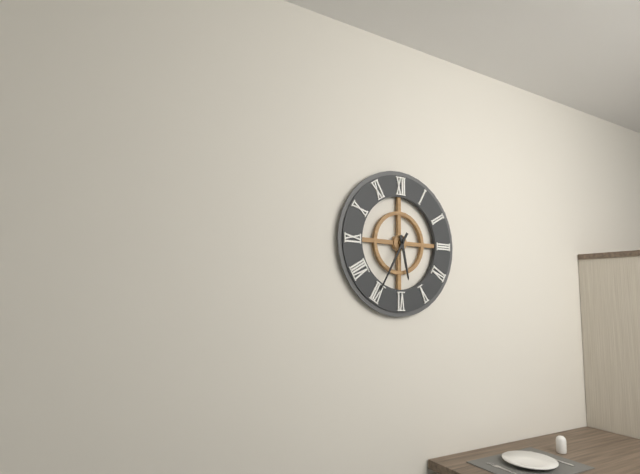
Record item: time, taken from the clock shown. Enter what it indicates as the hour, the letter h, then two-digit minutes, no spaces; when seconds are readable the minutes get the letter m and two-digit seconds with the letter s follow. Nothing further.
5h35
